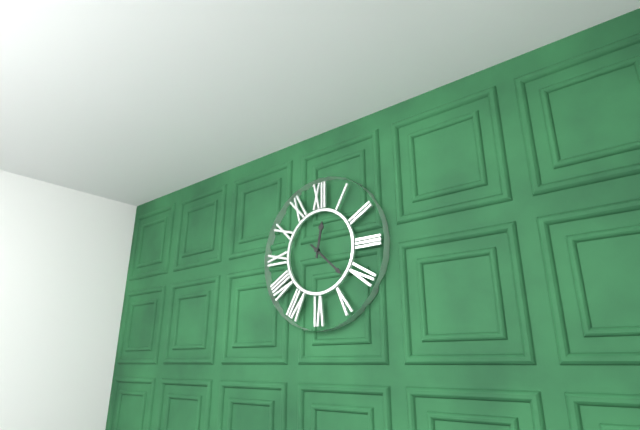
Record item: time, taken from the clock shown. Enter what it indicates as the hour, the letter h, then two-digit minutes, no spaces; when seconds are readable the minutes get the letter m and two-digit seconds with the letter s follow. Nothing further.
12h22
